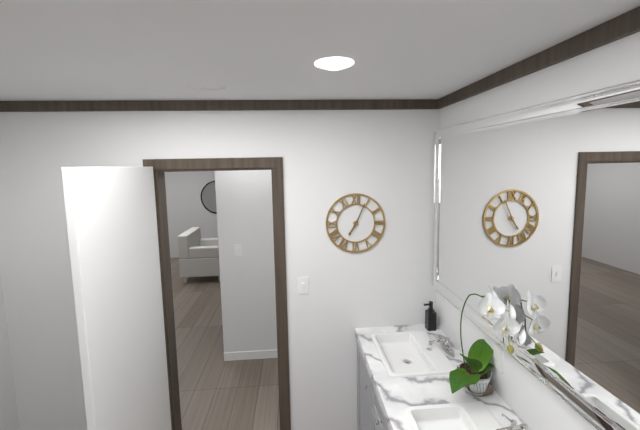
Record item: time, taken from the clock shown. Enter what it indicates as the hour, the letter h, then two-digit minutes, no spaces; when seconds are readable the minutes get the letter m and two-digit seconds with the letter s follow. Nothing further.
7h04
